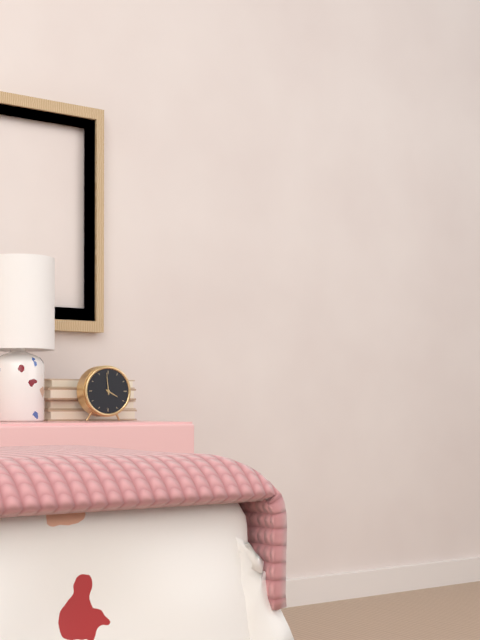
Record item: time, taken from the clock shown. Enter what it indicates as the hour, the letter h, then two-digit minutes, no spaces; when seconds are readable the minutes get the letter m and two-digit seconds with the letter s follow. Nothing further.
3h59
